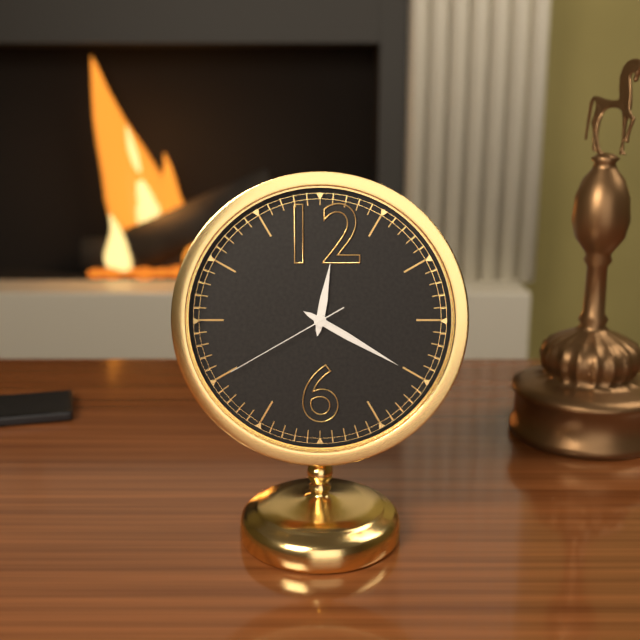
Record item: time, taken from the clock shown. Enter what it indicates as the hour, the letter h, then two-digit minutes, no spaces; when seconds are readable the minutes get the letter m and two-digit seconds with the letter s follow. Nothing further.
12h20m40s
